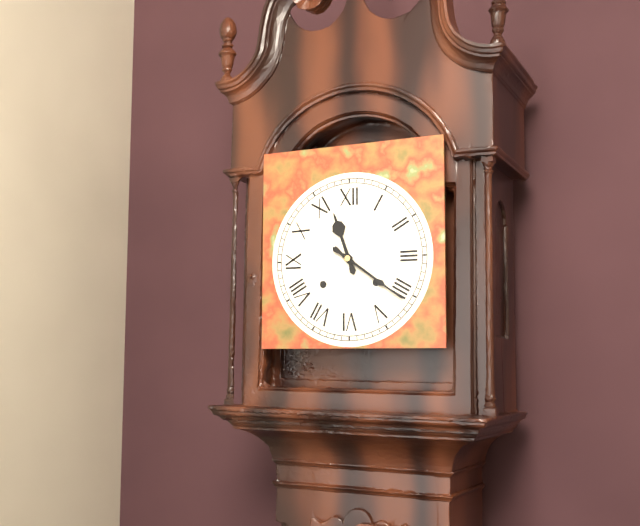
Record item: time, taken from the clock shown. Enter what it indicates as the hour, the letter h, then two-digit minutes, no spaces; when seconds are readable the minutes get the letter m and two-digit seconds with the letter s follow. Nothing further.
11h21
